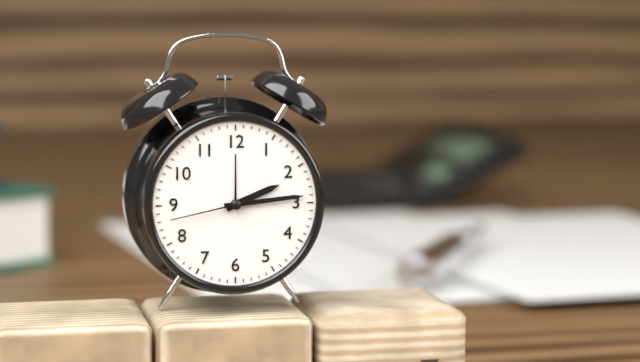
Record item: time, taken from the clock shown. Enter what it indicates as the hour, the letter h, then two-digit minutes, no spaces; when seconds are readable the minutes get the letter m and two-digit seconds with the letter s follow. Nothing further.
2h14m43s
